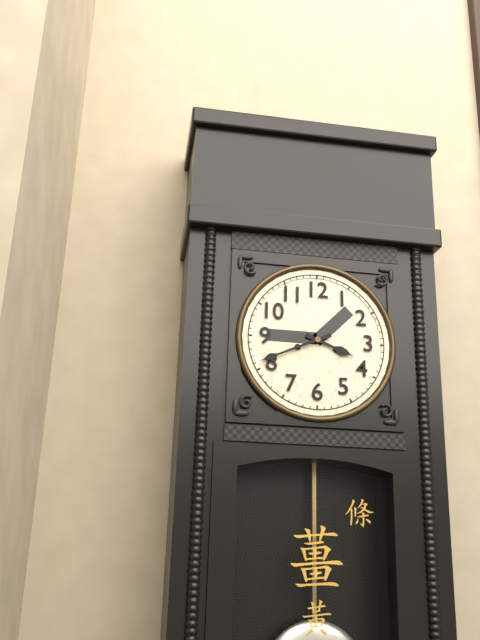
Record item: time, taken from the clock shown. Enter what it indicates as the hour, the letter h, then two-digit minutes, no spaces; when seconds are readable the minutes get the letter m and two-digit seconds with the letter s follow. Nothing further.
3h41
